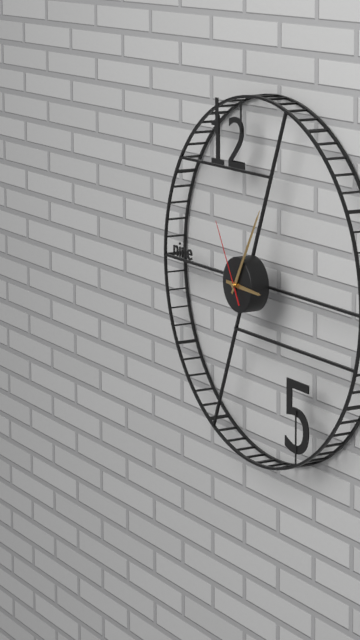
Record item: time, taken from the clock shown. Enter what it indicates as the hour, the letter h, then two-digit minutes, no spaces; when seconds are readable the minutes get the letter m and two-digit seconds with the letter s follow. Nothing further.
3h05m55s
